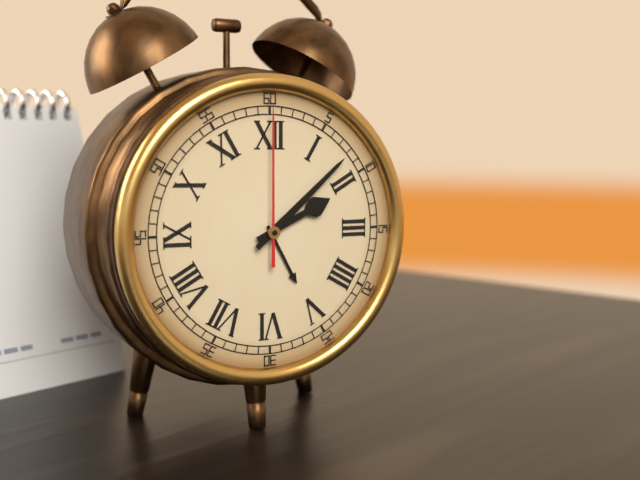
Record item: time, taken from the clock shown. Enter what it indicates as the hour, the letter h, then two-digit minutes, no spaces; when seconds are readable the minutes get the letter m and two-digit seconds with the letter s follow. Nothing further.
2h08m00s
